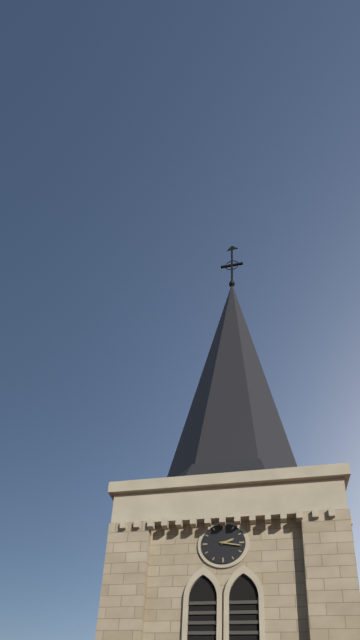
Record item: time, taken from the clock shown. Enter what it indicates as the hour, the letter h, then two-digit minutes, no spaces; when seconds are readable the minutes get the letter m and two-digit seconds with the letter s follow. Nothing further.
2h17
